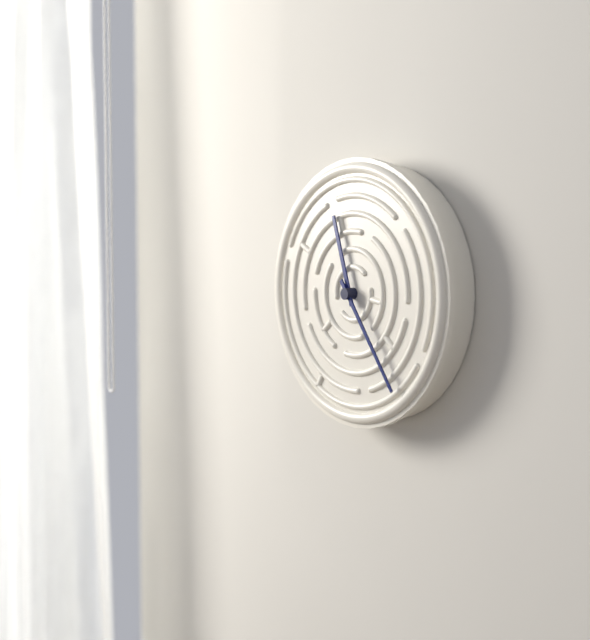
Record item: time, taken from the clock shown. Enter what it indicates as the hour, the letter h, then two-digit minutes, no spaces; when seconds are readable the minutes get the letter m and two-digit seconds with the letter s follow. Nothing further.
11h24
